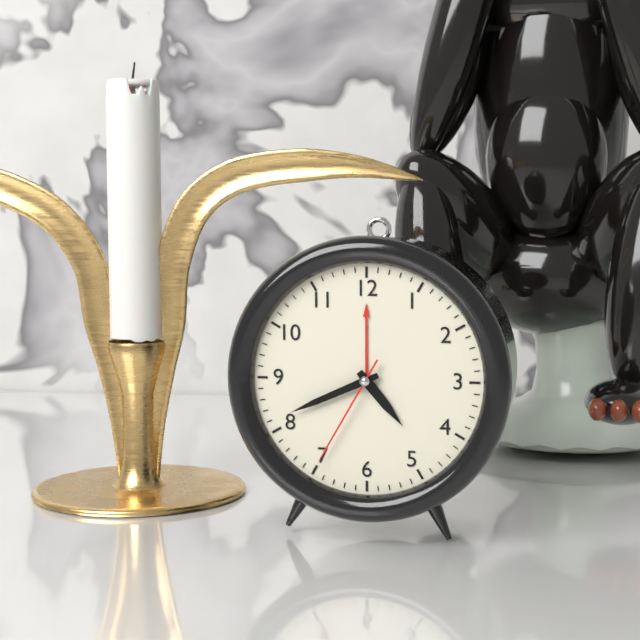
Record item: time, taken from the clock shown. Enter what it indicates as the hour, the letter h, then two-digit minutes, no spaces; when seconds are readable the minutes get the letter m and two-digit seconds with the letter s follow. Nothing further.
4h41m35s
